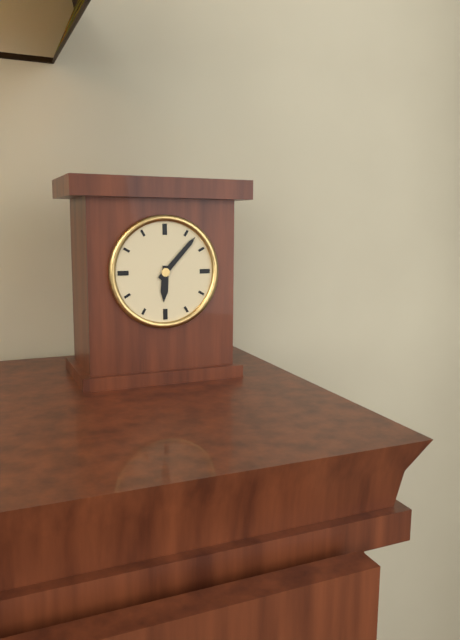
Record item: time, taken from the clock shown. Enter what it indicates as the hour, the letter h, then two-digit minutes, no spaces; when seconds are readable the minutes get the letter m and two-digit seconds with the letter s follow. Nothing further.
6h07
